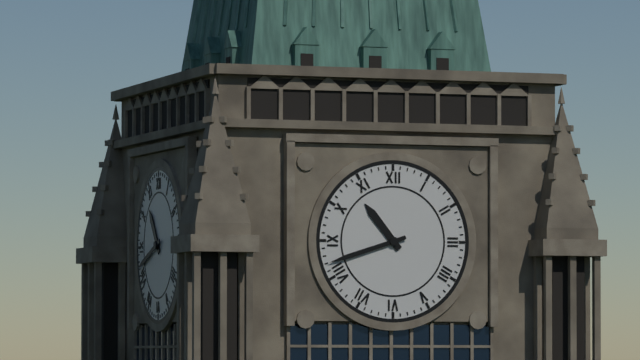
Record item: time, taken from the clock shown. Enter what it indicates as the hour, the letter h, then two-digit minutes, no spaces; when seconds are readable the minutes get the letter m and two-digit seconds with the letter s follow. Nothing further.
10h42
